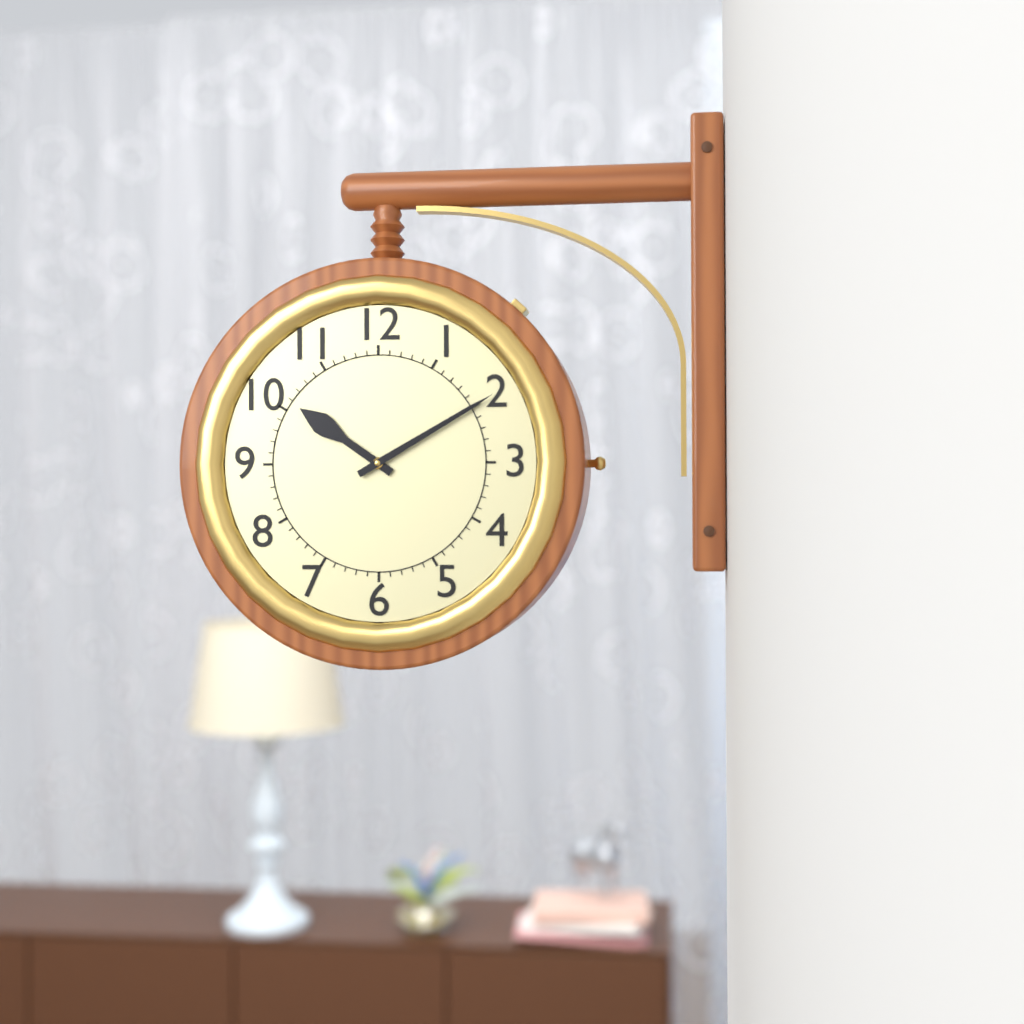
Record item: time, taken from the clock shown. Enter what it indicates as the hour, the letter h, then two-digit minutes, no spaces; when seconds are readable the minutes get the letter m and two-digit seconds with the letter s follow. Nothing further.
10h10
